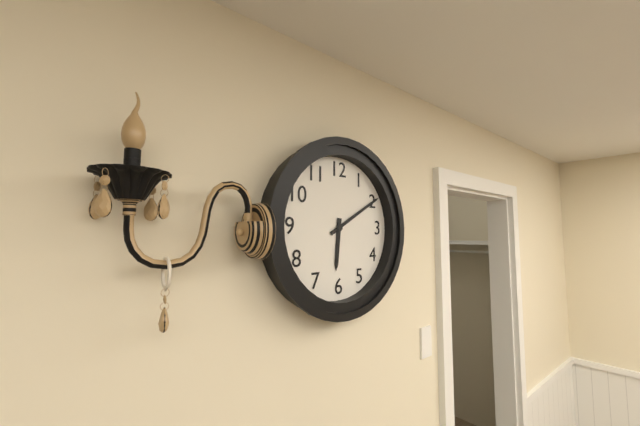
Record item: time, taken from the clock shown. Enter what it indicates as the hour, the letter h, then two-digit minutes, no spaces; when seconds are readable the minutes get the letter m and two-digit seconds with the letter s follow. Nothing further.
6h10
